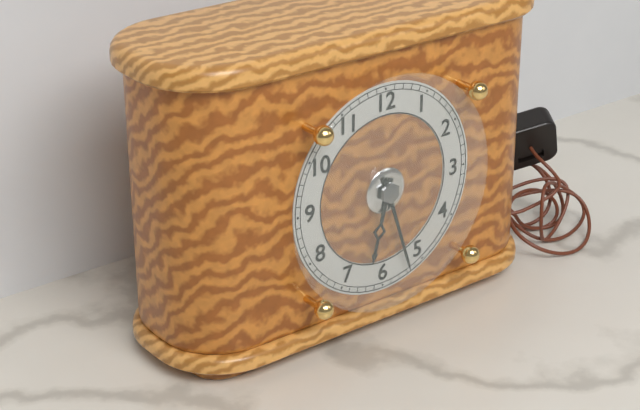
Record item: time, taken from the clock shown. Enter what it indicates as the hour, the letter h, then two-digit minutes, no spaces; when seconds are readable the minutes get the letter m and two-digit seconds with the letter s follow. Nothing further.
6h27
